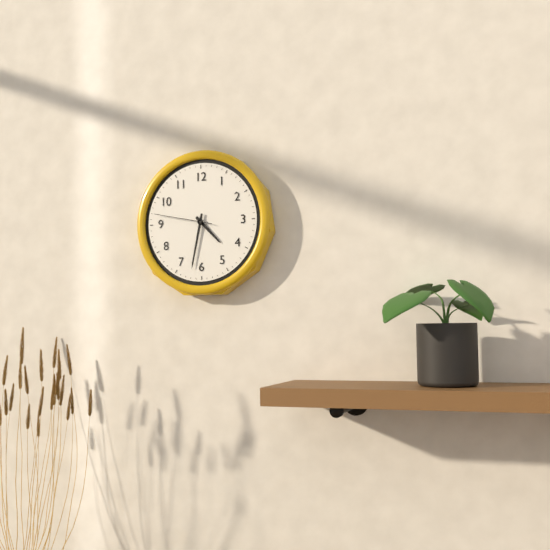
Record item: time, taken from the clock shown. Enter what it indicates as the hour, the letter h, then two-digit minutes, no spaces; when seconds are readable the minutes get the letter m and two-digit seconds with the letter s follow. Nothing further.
4h32m47s
